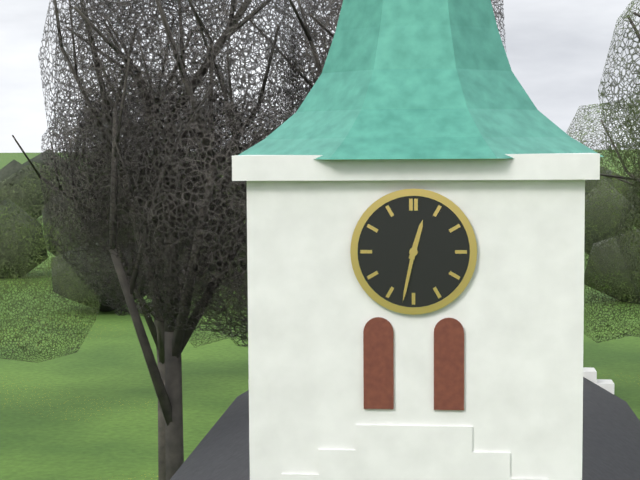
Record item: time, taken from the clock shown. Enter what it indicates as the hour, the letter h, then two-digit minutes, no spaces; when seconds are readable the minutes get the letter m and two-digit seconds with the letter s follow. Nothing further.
12h32
